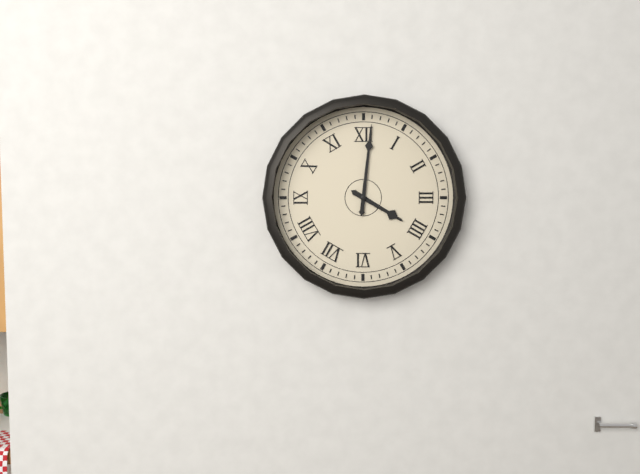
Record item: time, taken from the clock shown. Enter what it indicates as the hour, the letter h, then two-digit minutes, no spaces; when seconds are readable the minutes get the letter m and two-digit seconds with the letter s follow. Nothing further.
4h01
